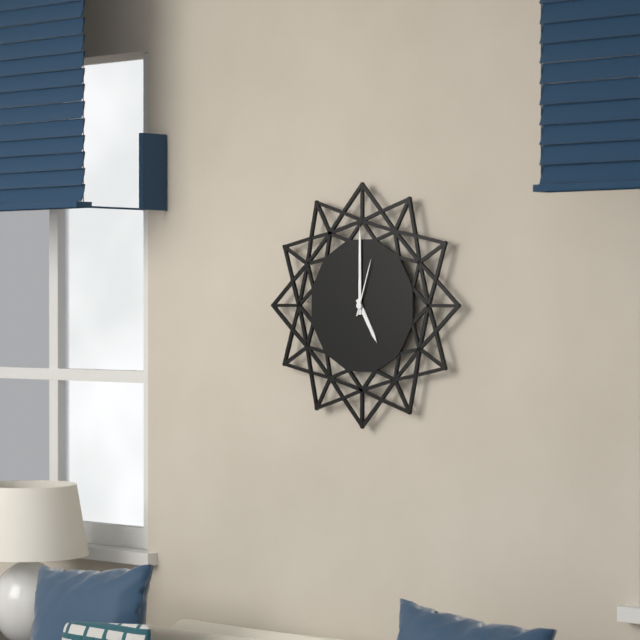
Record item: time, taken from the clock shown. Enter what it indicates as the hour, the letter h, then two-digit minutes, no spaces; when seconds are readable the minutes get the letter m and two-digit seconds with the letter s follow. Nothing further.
5h00m03s
